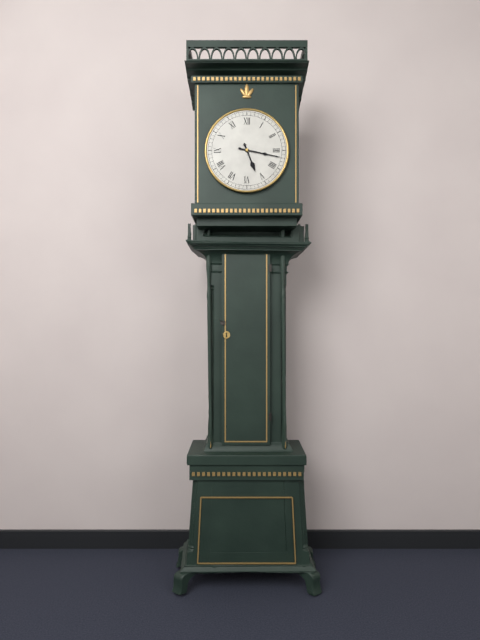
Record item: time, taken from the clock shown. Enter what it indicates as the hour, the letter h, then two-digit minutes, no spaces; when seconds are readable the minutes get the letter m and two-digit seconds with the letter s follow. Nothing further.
5h17
